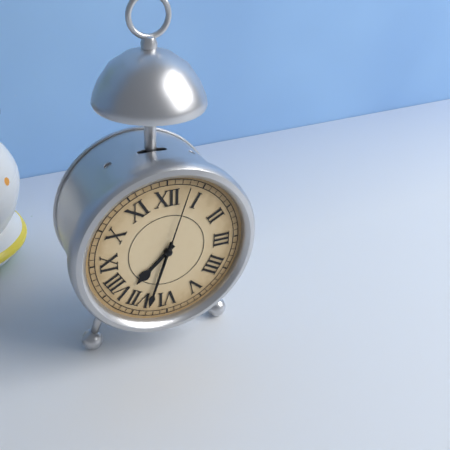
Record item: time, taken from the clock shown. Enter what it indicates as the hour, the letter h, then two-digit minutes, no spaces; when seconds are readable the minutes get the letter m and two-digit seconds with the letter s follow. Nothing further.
7h33m03s
